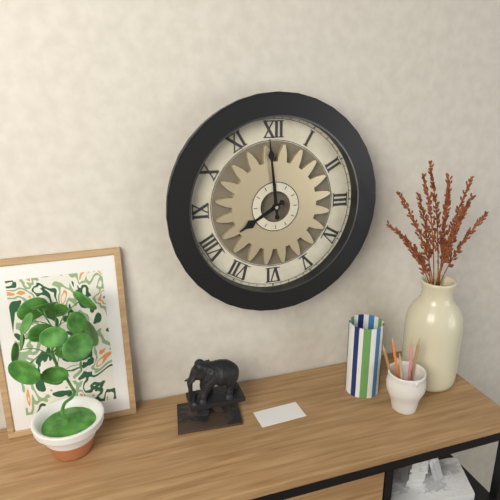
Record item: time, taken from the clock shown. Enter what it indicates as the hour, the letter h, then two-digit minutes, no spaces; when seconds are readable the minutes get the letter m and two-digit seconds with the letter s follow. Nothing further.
7h59
